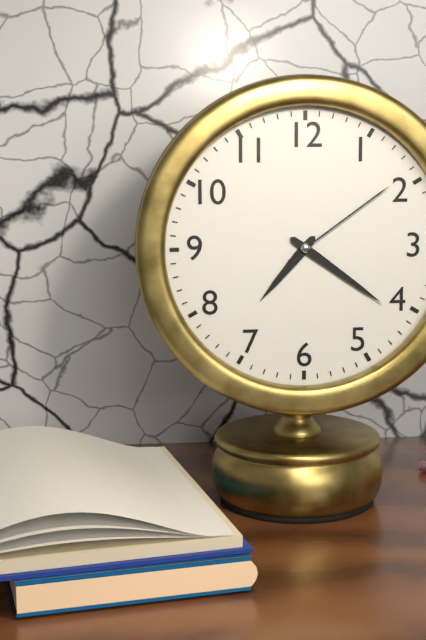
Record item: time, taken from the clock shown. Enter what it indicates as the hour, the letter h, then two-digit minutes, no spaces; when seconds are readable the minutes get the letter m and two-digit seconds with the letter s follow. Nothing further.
7h21m09s
